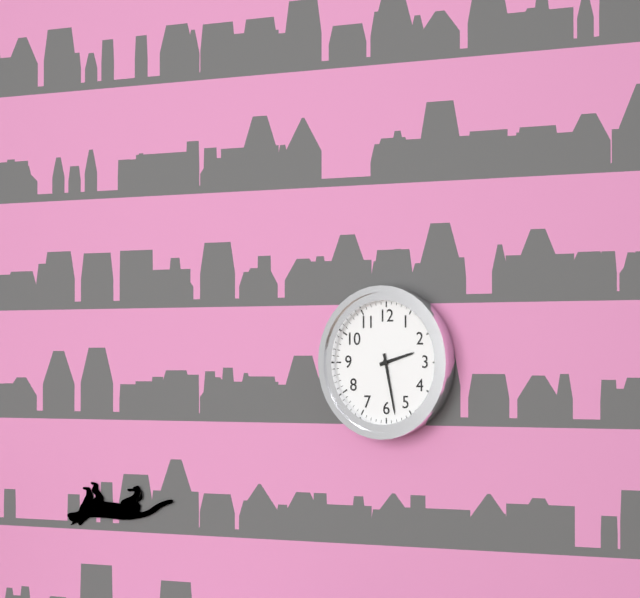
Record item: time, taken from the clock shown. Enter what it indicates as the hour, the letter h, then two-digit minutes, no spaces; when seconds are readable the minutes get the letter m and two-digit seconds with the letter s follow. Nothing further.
2h28
